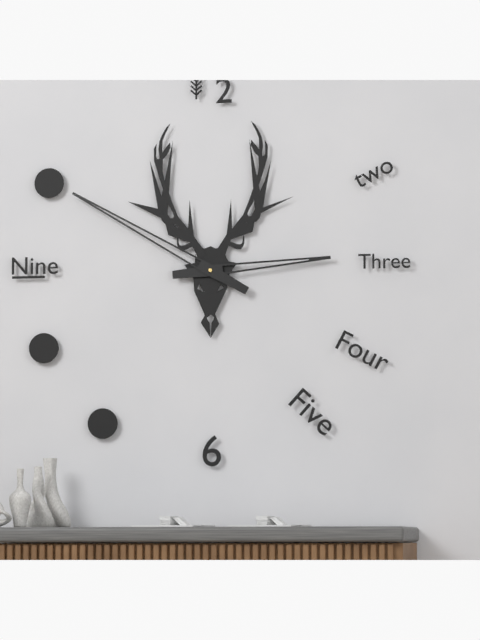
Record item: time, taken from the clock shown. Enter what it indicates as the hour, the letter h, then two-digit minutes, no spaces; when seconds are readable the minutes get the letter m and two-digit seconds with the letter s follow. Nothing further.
2h50
